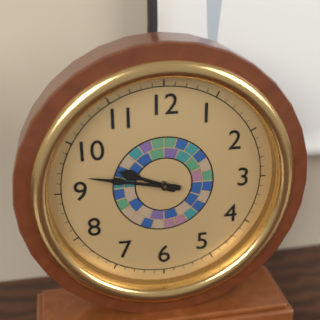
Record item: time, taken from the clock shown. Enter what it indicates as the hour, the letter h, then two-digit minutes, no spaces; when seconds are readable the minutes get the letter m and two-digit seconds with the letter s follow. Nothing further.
9h47
